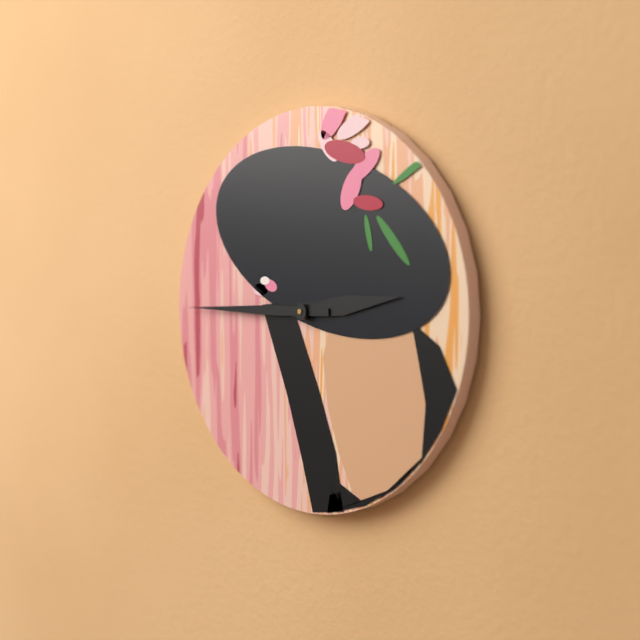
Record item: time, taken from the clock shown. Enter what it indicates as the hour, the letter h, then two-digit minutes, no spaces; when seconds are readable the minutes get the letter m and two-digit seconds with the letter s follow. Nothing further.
2h45
